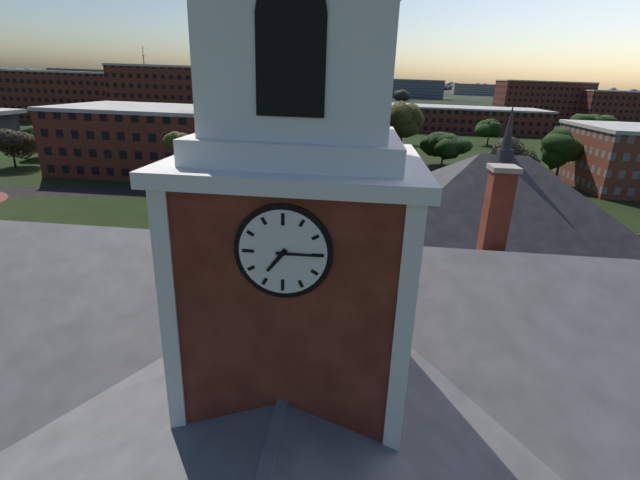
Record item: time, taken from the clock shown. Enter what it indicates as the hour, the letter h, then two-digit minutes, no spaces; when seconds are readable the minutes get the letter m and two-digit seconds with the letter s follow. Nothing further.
7h15
